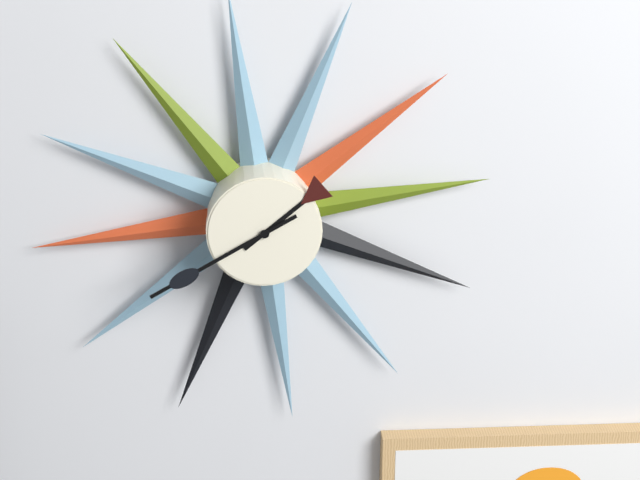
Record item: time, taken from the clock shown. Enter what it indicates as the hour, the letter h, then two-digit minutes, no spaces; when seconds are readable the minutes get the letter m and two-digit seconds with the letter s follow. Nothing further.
1h40
